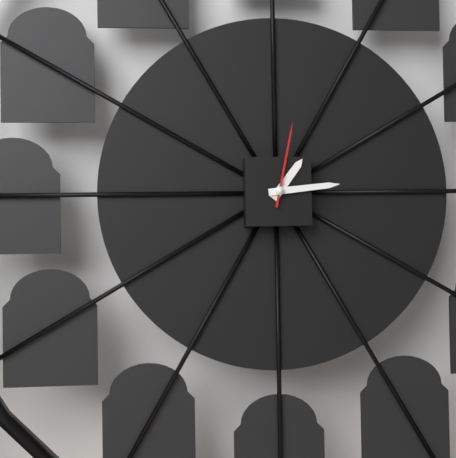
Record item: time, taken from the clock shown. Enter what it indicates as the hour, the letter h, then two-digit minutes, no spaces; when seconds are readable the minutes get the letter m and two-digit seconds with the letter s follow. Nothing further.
1h14m02s
